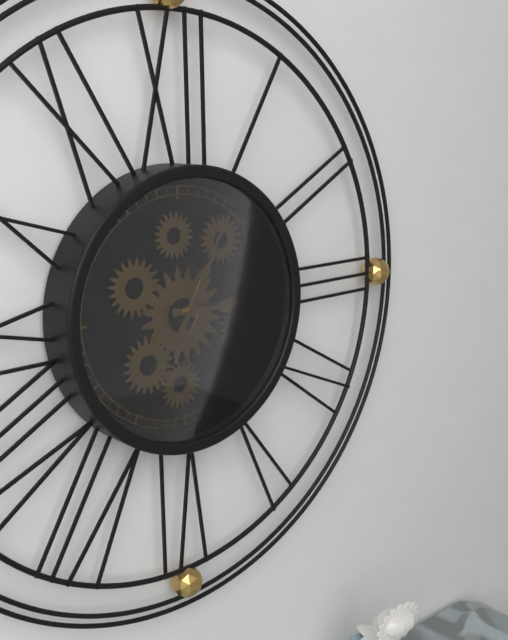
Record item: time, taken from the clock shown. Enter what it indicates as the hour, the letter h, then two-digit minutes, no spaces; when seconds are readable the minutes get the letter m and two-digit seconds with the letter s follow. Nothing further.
3h05
